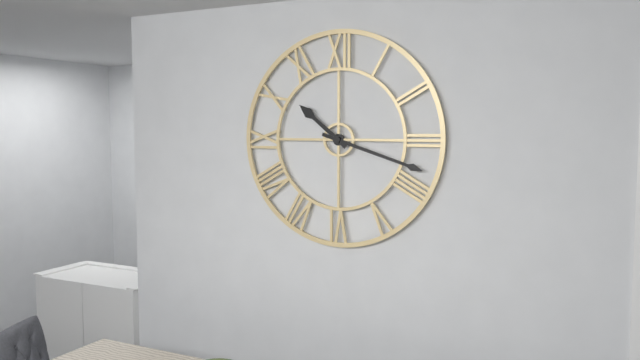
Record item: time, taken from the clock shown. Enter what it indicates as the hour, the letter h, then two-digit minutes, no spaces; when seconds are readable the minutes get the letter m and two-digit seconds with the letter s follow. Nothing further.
10h18
